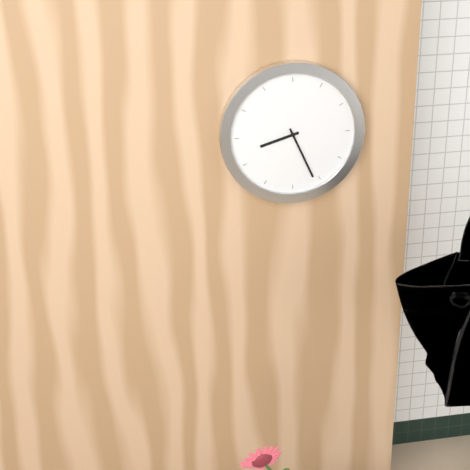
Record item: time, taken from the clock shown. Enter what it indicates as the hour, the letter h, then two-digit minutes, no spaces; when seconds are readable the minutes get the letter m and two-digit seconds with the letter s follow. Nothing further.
8h26
